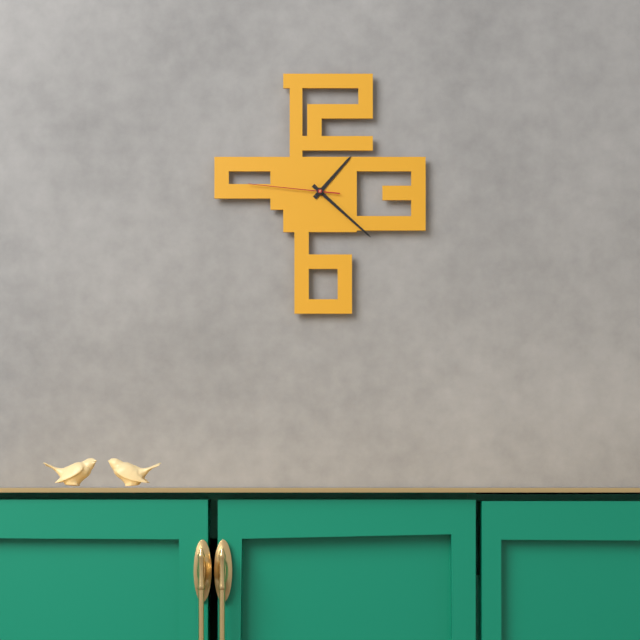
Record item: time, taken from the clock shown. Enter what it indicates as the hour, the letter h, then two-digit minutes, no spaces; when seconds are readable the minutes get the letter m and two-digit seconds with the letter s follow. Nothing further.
1h22m46s
